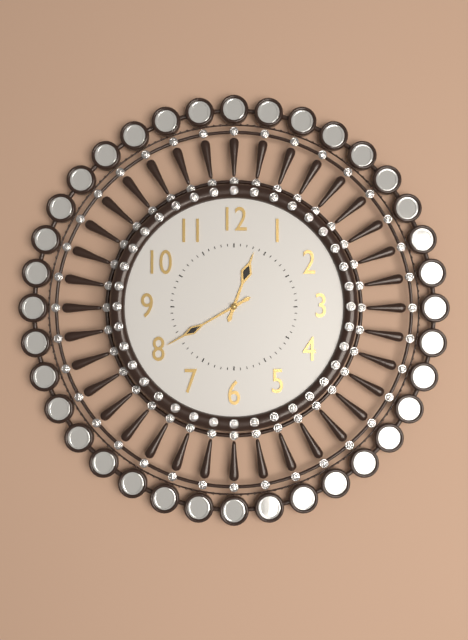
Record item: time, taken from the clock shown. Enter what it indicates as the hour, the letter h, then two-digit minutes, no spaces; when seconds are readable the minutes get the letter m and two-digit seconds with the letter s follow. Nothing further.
12h40
